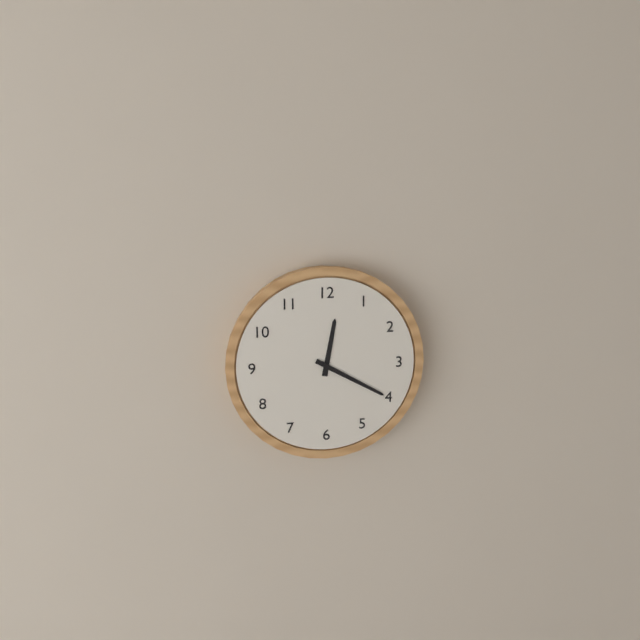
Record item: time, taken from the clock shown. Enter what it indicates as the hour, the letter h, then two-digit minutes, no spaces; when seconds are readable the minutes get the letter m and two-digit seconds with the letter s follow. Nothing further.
12h20
